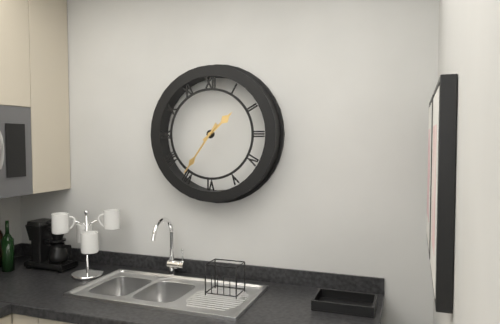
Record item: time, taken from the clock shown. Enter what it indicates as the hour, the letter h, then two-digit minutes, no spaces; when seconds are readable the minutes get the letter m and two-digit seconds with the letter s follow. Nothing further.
1h36
